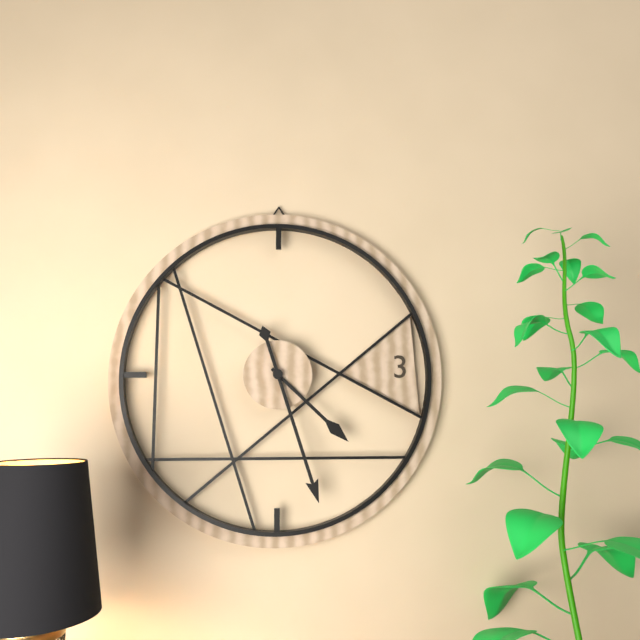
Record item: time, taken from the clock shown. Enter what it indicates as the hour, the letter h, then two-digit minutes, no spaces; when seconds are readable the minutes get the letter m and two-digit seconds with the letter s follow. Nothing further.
4h27
